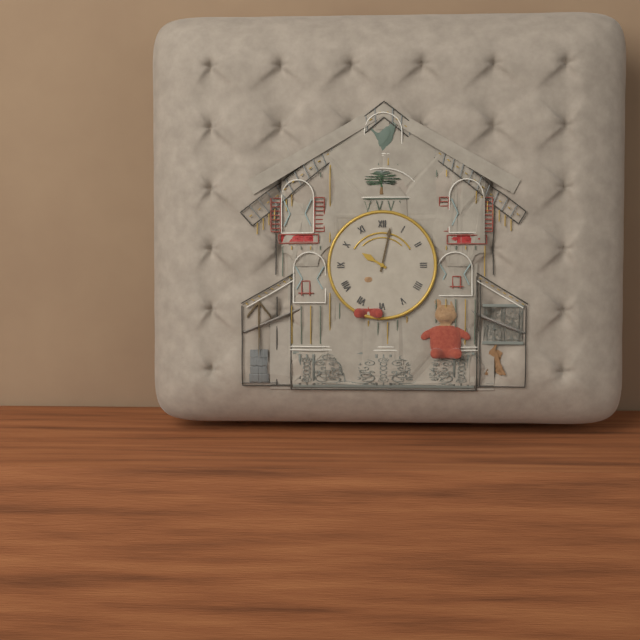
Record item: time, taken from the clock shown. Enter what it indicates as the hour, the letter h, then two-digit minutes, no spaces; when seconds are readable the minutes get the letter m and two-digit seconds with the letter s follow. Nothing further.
10h02
